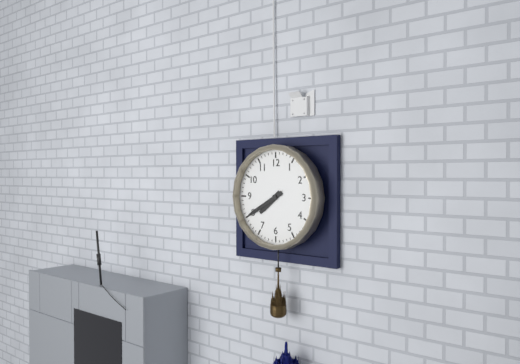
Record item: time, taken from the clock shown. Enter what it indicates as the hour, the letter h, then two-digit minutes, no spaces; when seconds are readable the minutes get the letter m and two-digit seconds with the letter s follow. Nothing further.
7h40
